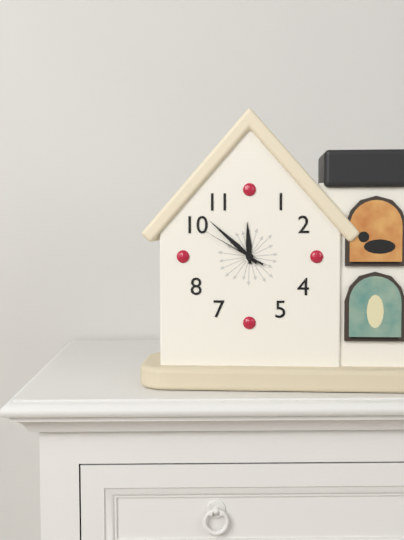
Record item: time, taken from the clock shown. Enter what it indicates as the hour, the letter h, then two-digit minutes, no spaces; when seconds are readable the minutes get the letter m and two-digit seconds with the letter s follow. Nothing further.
11h52m50s
